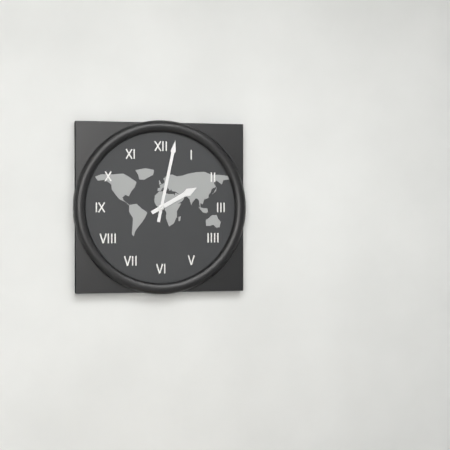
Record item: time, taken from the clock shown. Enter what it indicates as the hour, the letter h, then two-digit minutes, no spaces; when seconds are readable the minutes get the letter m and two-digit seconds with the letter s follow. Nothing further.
2h02
